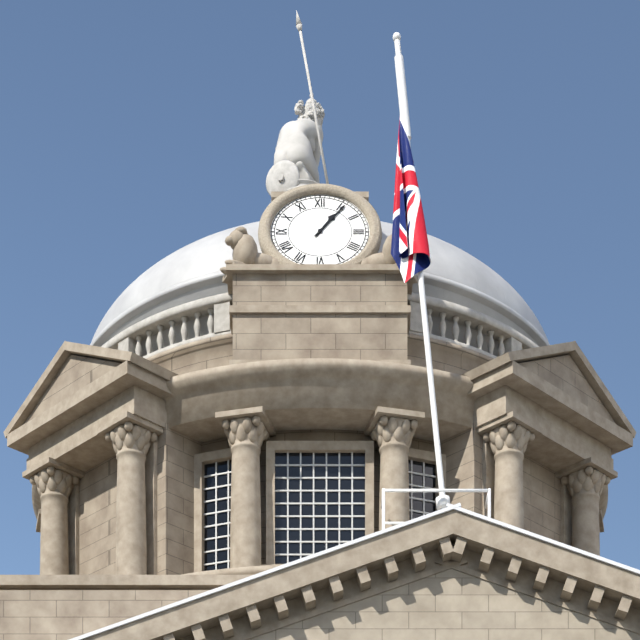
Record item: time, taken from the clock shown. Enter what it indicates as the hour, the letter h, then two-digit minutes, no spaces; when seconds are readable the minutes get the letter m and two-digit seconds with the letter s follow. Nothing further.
1h06
